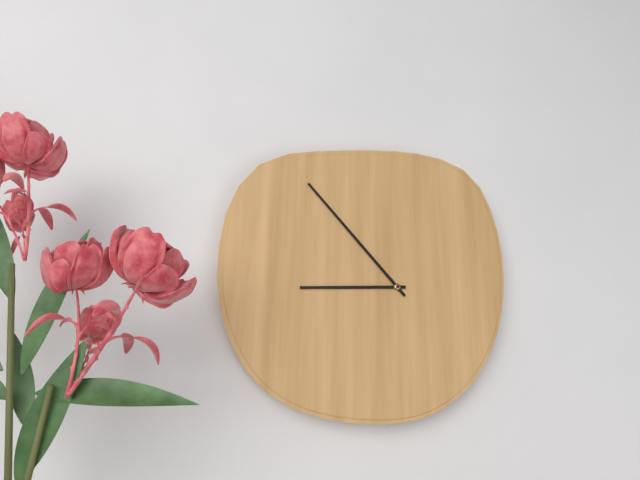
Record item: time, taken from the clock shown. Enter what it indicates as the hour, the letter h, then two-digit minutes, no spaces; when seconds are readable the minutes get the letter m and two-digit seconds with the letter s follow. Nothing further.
8h53
